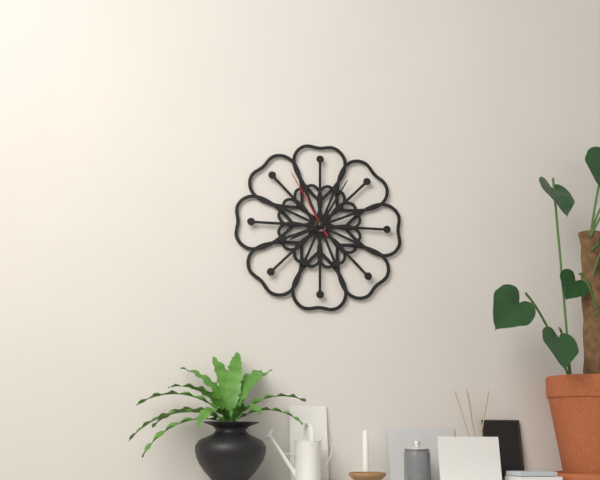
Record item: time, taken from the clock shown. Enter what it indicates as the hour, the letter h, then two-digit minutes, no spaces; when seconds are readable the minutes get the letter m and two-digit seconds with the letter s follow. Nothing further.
8h05m55s
